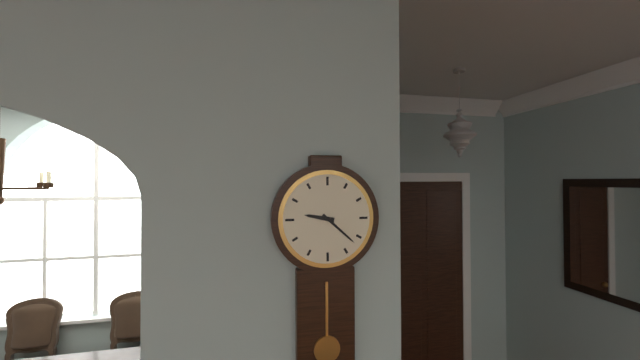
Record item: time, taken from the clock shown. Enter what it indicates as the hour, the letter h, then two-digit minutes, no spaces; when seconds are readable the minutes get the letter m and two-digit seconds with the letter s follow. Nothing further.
9h22
